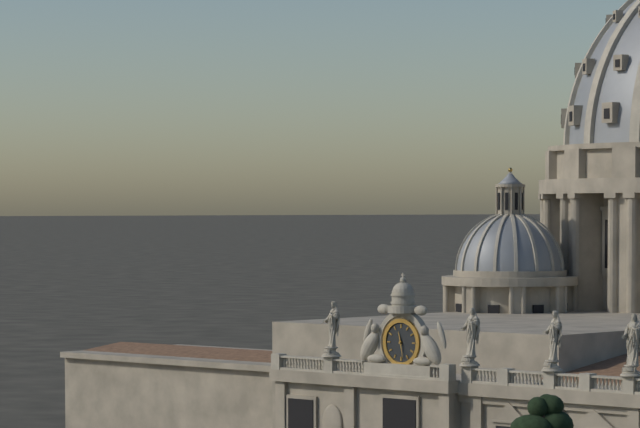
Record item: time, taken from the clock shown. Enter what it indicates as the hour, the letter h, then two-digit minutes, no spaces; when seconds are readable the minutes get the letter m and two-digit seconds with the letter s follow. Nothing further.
11h28
